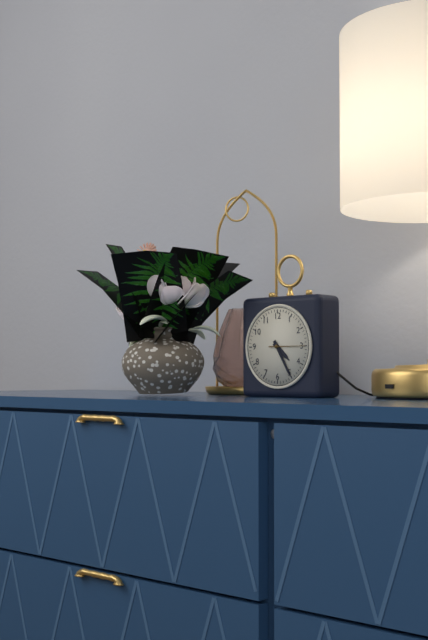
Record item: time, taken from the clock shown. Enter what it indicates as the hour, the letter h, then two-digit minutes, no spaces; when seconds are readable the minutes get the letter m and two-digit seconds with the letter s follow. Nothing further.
4h25
